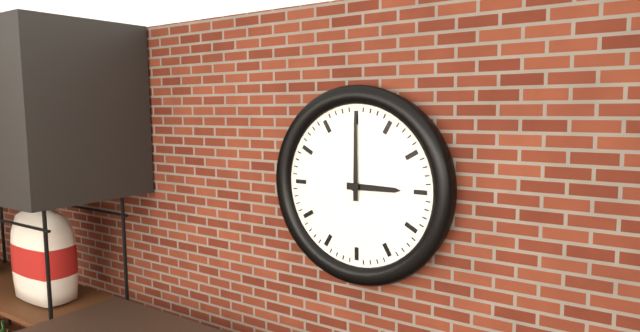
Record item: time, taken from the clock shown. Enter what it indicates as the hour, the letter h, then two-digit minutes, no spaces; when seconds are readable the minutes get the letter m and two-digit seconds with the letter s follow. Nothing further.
3h00
